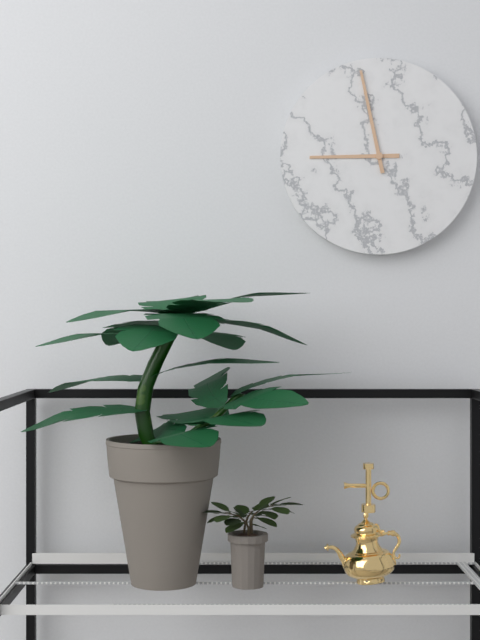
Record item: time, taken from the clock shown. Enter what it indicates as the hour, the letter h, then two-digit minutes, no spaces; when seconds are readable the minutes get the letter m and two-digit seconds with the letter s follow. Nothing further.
8h58
